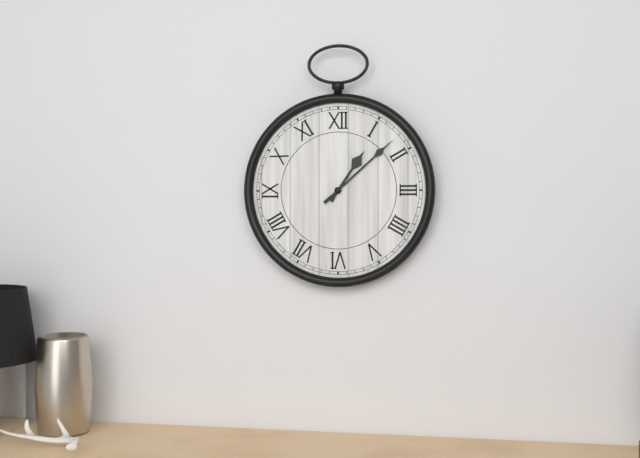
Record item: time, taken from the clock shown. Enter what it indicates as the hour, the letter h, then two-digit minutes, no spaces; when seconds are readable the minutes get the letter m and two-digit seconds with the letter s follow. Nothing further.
1h08
